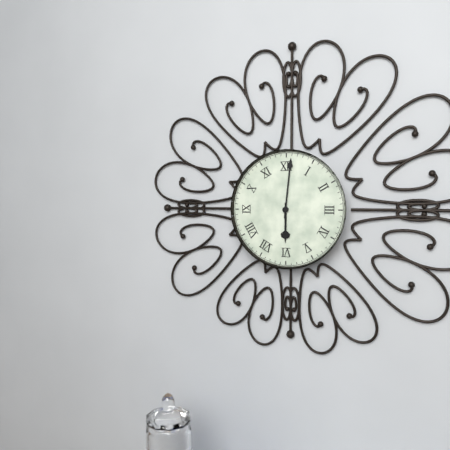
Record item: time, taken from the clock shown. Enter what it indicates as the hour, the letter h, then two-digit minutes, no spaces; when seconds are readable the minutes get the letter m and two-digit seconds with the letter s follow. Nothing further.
6h01
